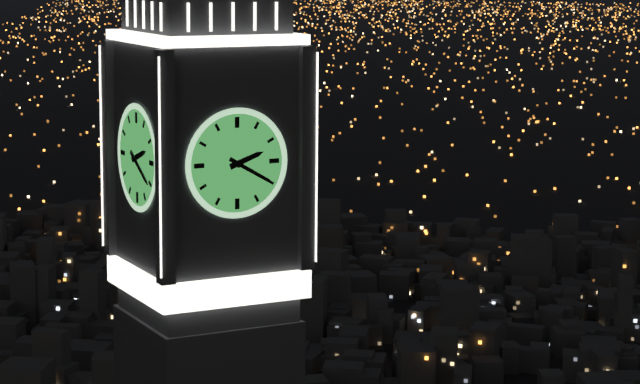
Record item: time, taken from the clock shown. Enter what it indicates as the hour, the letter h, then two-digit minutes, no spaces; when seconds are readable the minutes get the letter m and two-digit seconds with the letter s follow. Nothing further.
2h20
